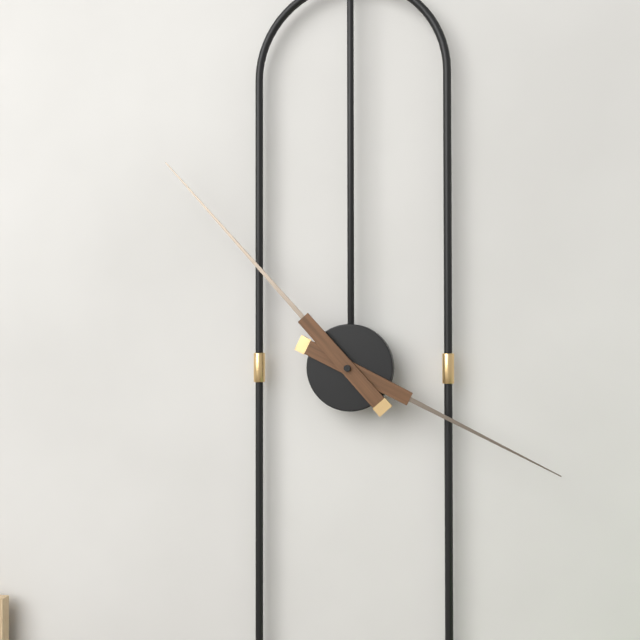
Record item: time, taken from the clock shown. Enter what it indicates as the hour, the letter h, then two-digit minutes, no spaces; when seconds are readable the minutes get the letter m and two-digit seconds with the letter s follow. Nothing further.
3h53
